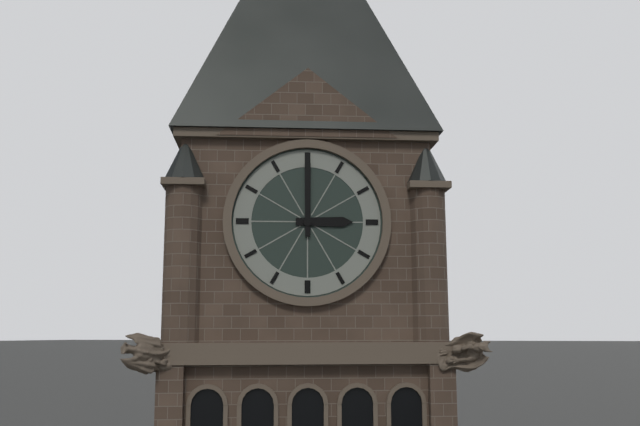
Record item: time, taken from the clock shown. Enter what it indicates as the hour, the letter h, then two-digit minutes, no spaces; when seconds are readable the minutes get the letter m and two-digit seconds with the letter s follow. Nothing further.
3h00
